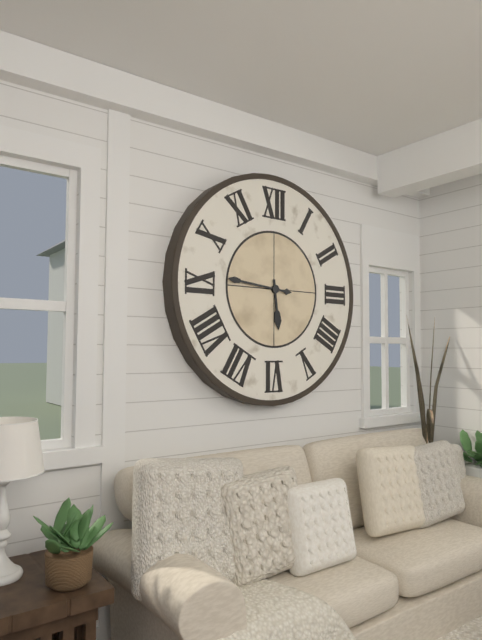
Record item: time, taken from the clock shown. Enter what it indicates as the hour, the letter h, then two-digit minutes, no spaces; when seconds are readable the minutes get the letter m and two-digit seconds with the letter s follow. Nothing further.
5h46
